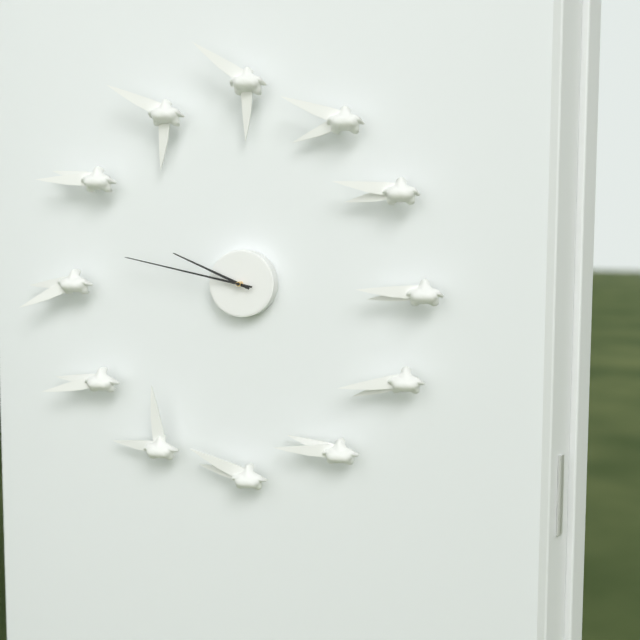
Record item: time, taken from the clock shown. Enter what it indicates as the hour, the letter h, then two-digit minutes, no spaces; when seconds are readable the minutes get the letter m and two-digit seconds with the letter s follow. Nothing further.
9h47
